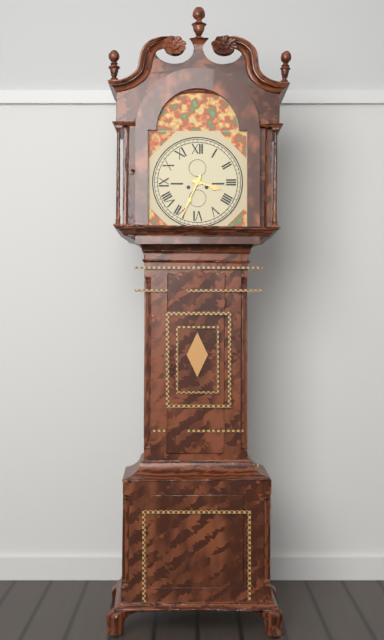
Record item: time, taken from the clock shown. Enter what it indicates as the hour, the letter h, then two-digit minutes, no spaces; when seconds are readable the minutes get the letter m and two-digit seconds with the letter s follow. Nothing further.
3h34
